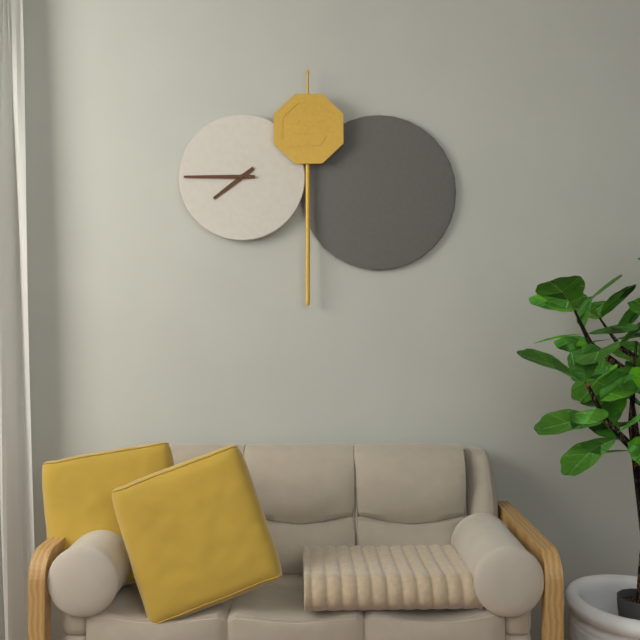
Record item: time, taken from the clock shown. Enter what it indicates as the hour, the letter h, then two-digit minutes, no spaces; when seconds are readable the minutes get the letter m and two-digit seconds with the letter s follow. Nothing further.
7h45
